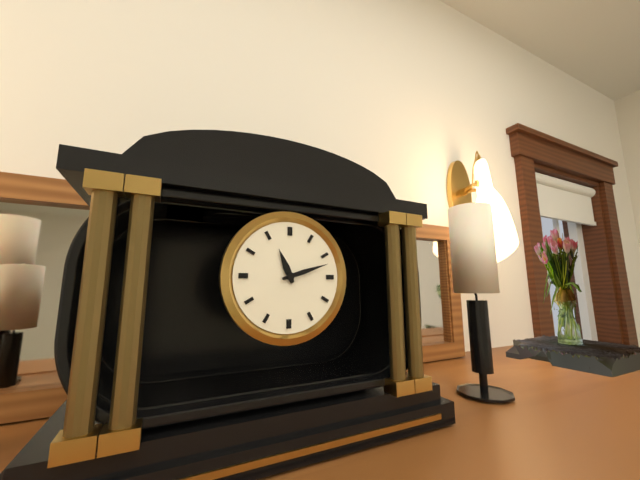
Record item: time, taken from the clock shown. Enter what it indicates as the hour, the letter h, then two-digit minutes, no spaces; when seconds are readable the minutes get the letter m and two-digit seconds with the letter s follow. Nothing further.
11h12
